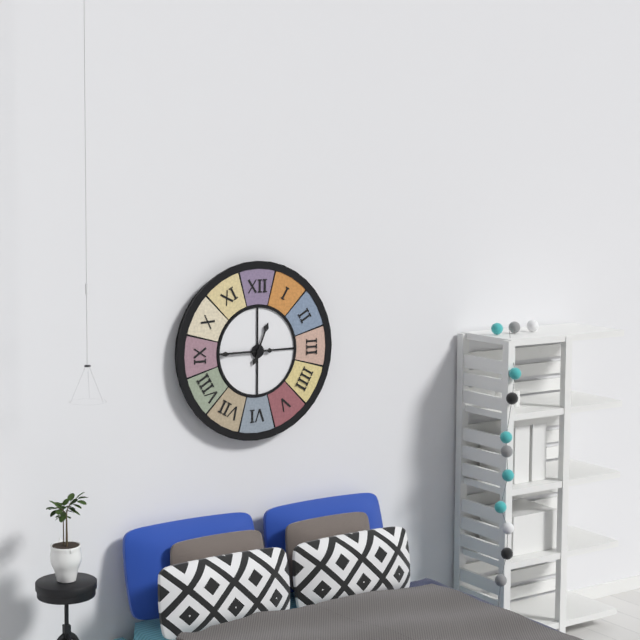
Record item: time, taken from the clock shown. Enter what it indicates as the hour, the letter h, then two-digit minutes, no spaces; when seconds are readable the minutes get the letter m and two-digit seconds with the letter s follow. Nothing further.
12h45
